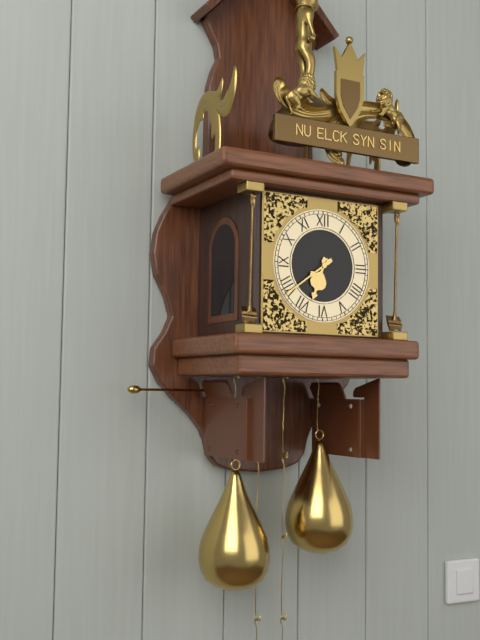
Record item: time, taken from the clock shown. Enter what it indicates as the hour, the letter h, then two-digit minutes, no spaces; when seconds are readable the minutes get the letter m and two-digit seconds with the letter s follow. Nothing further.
6h39
